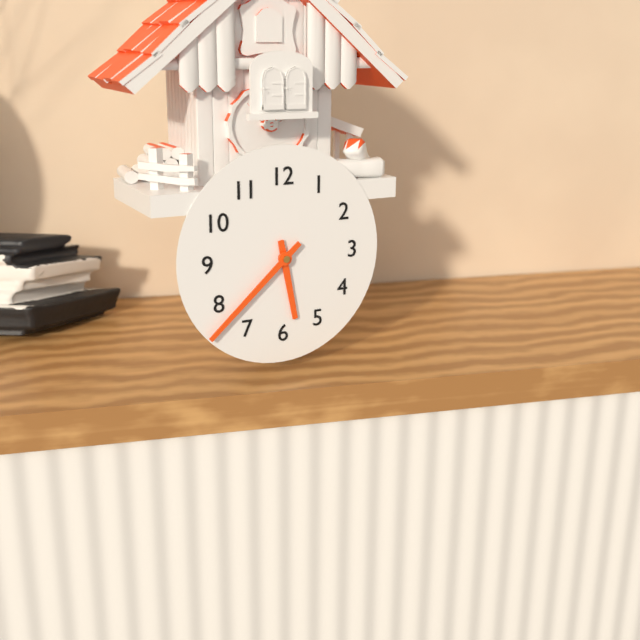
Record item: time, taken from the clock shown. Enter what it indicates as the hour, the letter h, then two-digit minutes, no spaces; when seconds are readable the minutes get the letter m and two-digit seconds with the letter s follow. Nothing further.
5h38
